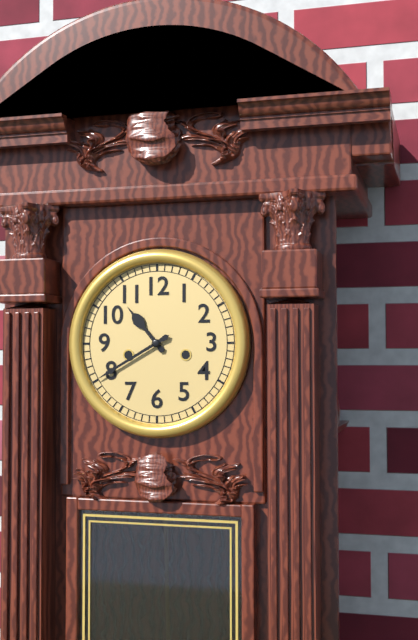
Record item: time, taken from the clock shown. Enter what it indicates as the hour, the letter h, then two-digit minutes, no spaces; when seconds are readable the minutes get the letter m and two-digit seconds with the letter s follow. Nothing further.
10h40
